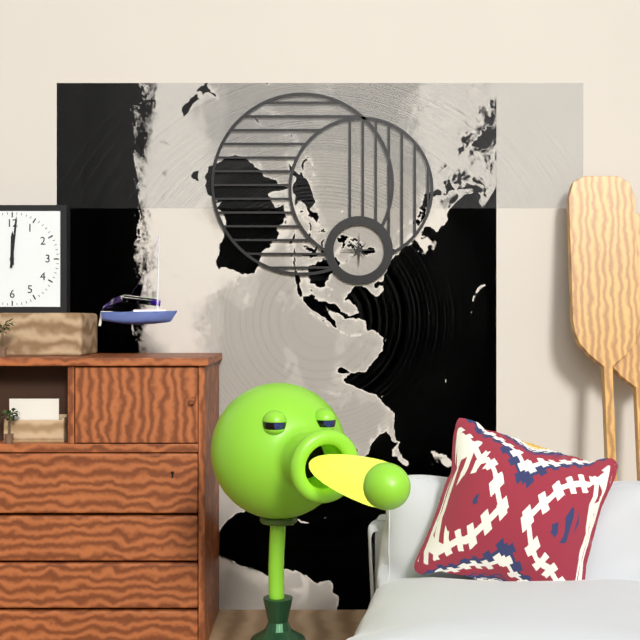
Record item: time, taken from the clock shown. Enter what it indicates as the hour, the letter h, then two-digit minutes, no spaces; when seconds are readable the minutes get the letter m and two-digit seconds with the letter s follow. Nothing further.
12h01
